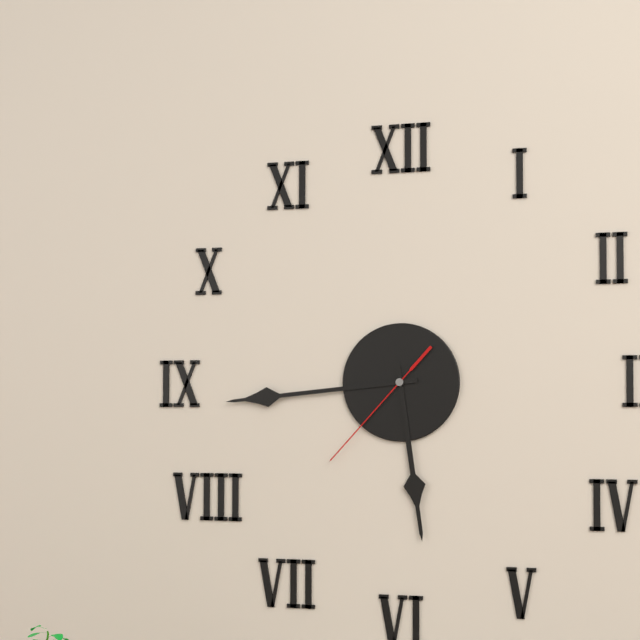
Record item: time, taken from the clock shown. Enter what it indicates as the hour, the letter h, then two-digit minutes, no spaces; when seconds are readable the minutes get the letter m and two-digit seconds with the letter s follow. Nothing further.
5h44m37s
